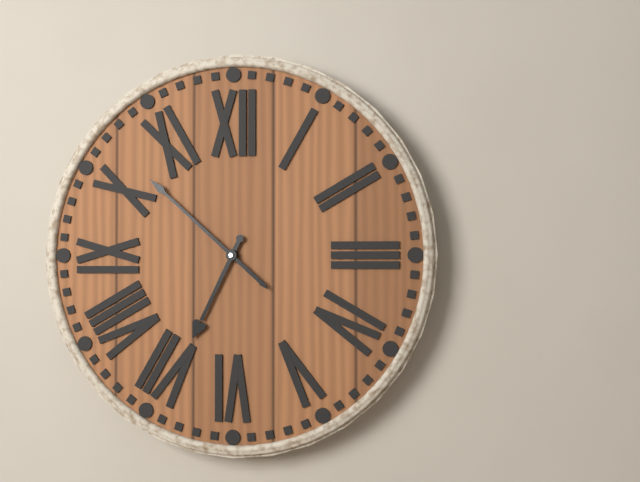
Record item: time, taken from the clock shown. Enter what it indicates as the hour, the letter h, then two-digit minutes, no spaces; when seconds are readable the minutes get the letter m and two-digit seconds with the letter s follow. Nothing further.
6h52
